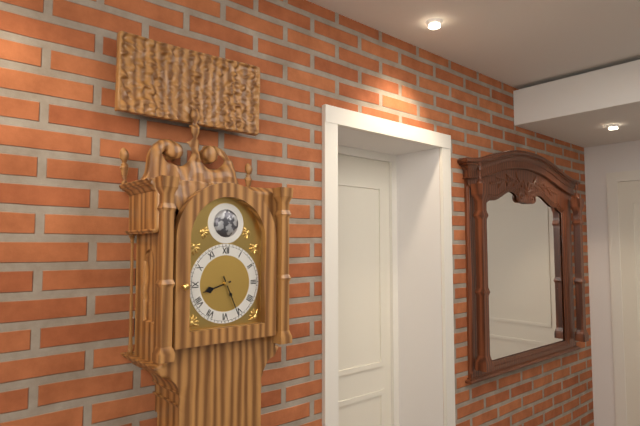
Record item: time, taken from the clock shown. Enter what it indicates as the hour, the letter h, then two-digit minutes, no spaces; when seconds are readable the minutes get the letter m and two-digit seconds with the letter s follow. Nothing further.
8h26
